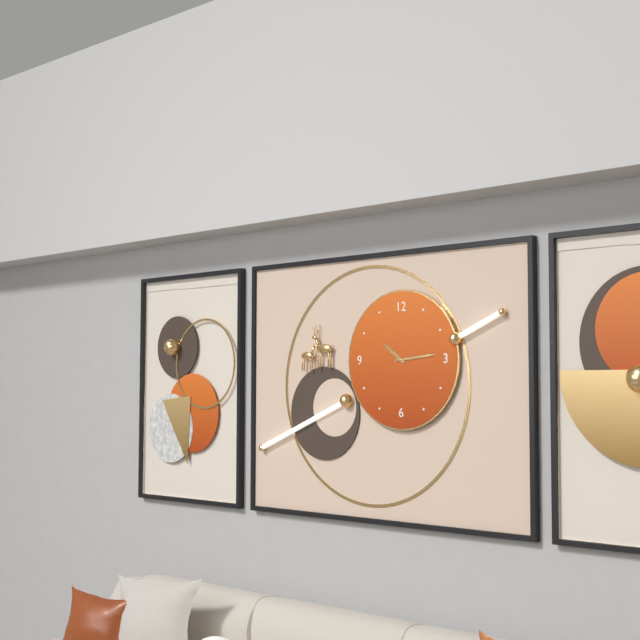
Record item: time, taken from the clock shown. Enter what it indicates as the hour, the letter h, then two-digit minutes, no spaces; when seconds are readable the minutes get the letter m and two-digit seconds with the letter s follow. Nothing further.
10h14
